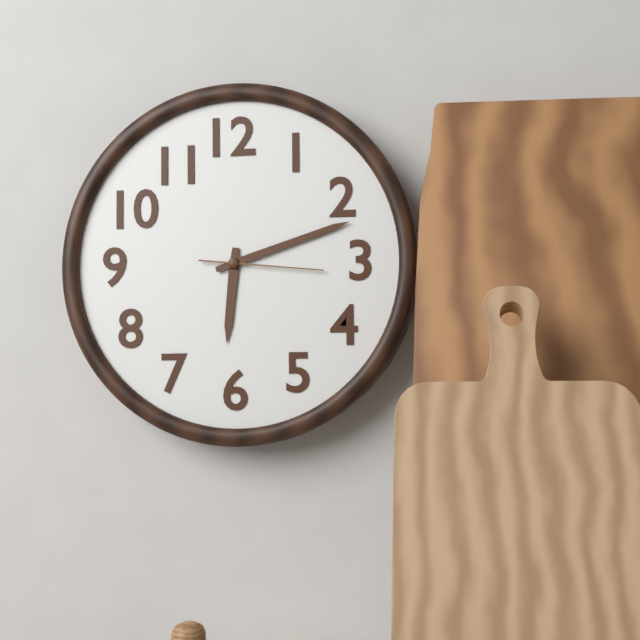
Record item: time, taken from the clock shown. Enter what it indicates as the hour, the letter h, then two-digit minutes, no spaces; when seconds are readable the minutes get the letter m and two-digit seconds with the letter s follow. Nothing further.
6h12m16s
